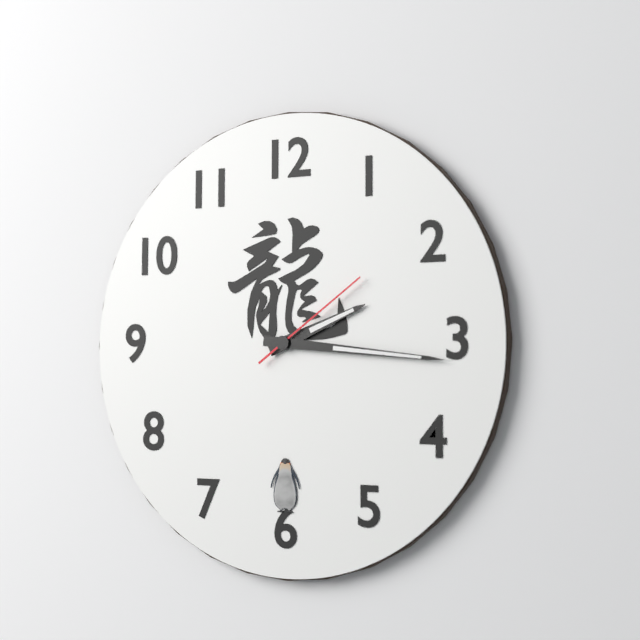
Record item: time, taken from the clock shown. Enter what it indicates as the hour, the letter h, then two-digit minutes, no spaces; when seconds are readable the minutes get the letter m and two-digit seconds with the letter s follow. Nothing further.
2h16m09s
